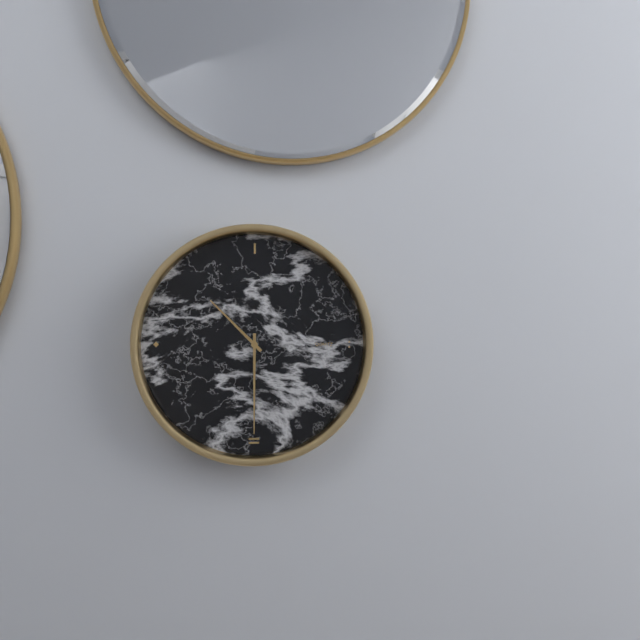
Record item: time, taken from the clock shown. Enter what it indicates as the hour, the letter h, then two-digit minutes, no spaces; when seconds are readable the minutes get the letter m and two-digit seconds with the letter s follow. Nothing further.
10h30
